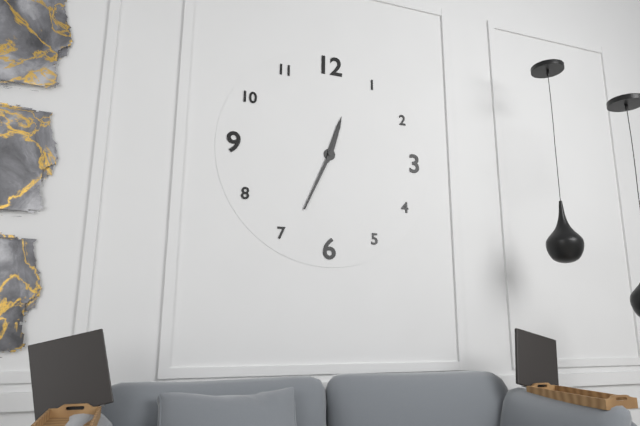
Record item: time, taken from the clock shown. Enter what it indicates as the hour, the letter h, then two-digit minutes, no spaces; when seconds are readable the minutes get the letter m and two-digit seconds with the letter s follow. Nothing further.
12h34
